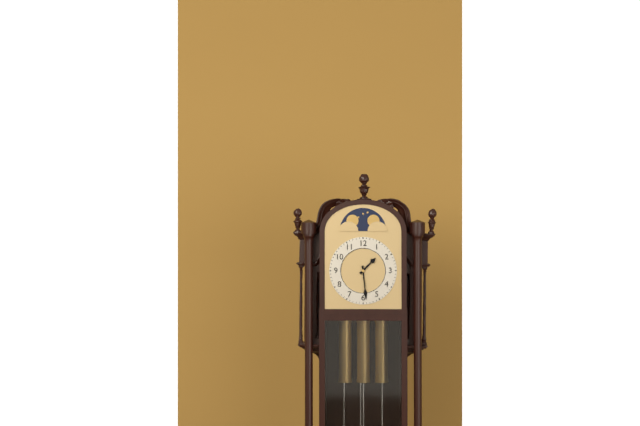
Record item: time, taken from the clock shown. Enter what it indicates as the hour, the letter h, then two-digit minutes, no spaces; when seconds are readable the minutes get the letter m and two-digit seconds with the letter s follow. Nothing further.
1h29
